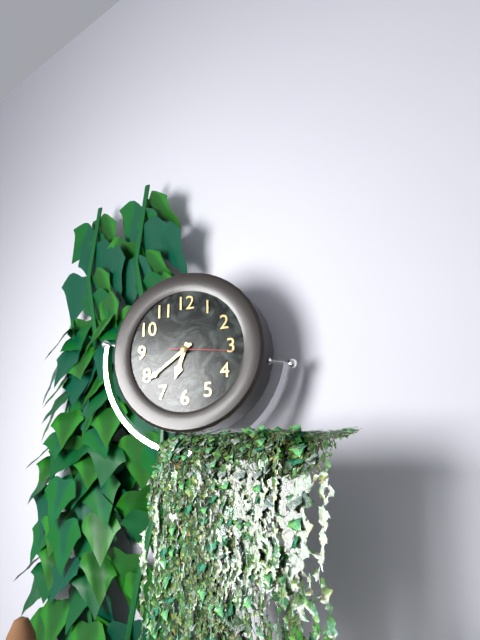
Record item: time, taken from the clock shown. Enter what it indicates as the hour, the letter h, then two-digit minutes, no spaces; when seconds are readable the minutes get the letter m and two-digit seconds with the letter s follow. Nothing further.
6h39m16s
